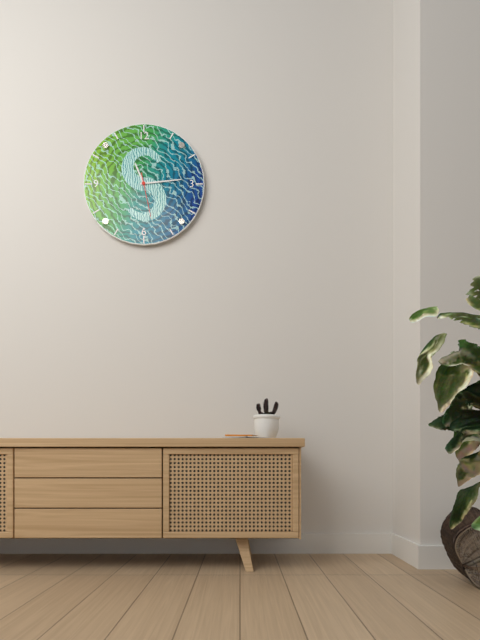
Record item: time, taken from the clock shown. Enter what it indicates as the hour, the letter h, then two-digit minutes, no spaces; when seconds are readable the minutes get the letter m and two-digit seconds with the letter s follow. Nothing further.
11h14
